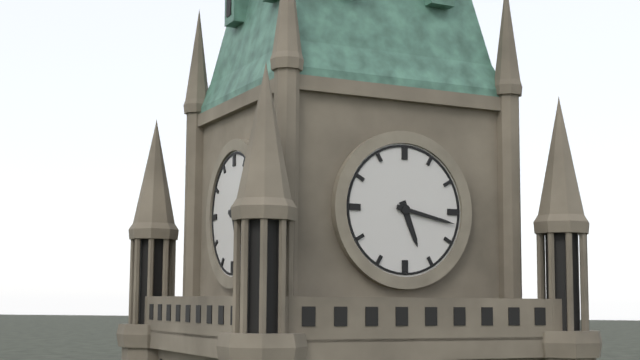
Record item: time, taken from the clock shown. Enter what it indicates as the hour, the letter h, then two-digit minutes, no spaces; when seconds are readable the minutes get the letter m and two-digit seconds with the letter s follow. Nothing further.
5h17
